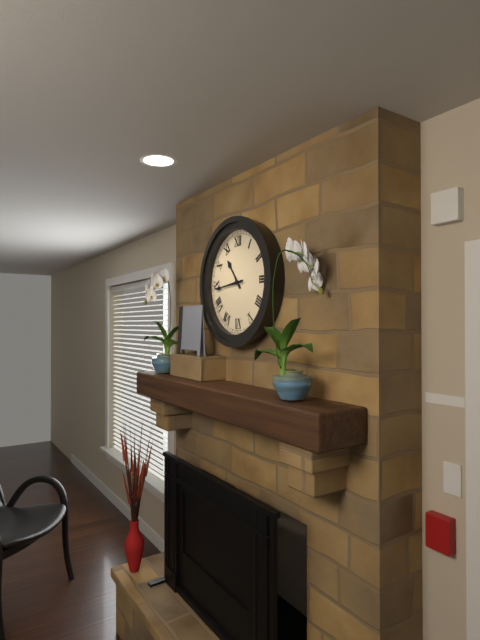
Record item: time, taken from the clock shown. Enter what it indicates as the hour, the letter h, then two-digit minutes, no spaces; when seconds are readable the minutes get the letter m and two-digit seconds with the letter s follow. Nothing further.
10h44
